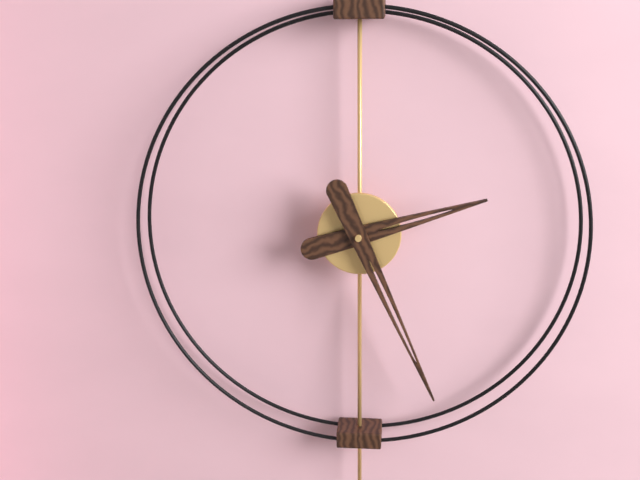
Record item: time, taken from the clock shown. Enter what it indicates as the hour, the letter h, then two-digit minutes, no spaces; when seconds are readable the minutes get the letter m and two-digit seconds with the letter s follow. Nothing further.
2h26
